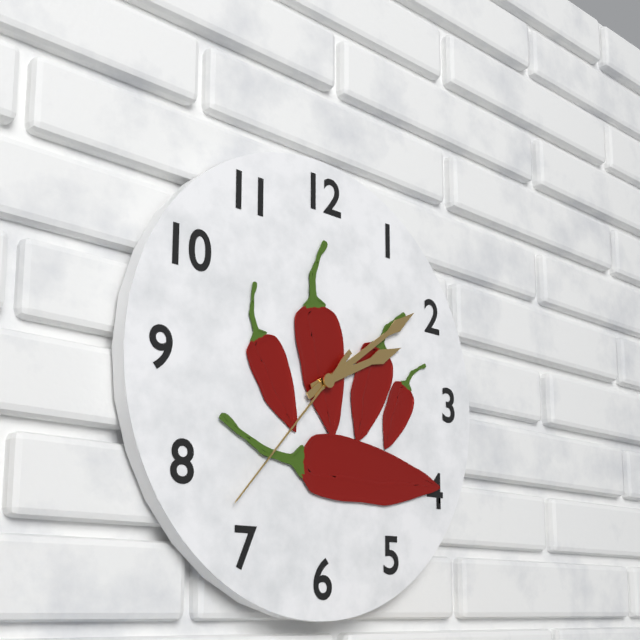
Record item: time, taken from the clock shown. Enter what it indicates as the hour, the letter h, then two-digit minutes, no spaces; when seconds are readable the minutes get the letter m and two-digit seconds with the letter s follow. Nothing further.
2h09m37s
